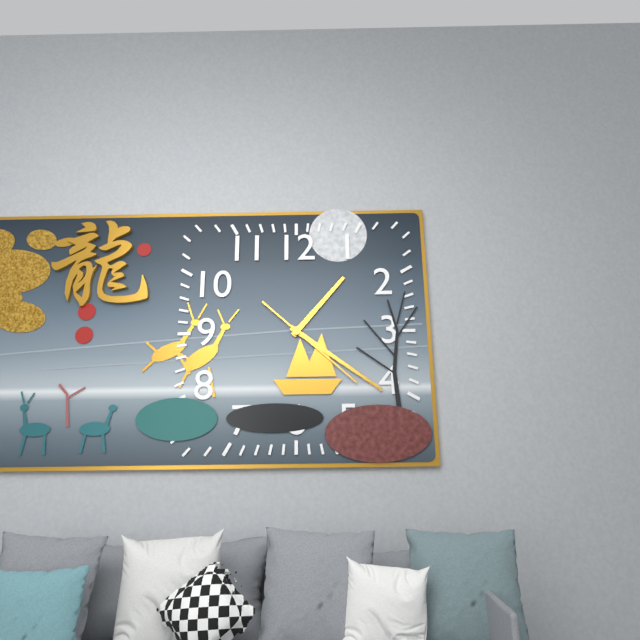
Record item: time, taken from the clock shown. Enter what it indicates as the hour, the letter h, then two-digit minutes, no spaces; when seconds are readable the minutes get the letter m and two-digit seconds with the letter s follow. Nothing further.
1h21m22s
